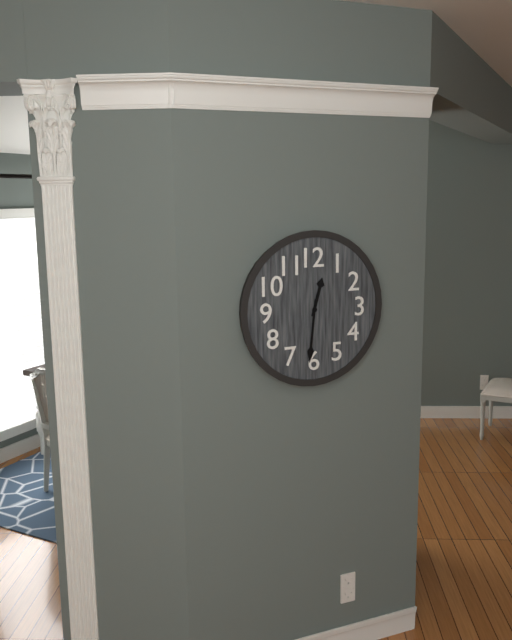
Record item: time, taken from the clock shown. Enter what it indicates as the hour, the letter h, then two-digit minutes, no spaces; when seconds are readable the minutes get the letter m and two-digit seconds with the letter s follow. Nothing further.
12h31
